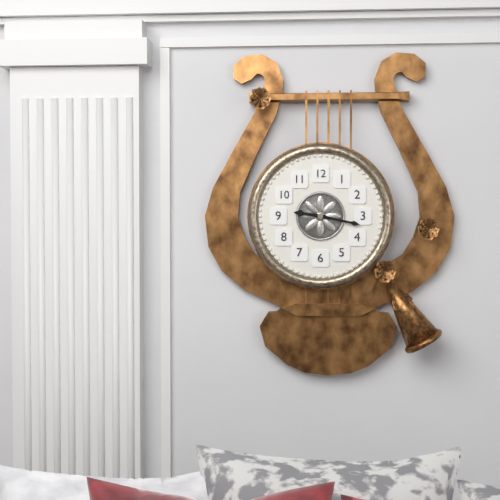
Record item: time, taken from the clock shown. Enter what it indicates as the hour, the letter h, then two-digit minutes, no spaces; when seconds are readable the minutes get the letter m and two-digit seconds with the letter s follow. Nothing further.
9h17
